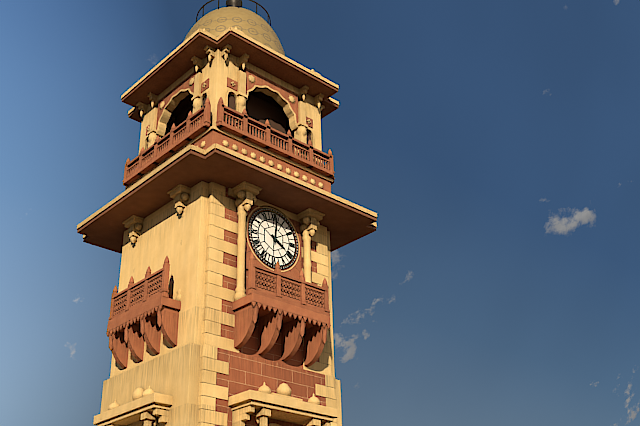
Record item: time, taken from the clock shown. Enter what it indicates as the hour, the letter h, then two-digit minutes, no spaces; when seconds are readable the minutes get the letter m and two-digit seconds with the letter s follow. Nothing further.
4h01
